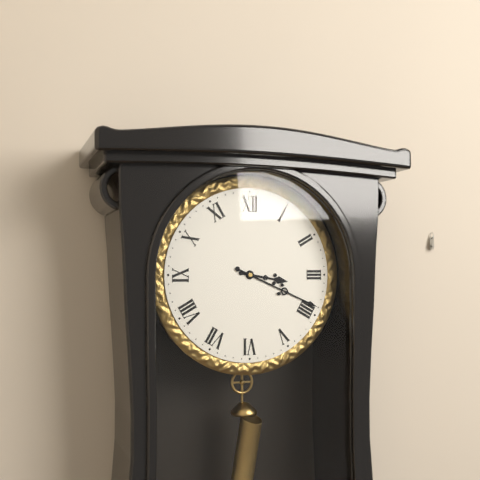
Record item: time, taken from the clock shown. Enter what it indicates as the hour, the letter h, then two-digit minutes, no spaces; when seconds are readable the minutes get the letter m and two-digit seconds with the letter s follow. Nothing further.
3h19
